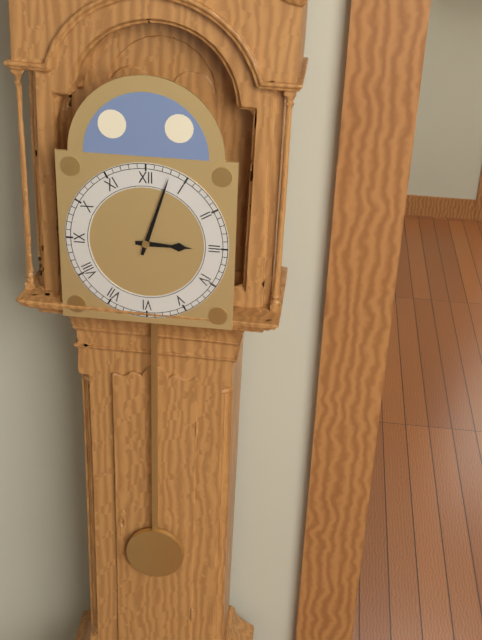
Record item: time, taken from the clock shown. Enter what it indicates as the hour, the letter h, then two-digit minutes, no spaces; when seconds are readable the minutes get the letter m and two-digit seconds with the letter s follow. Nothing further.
3h03
